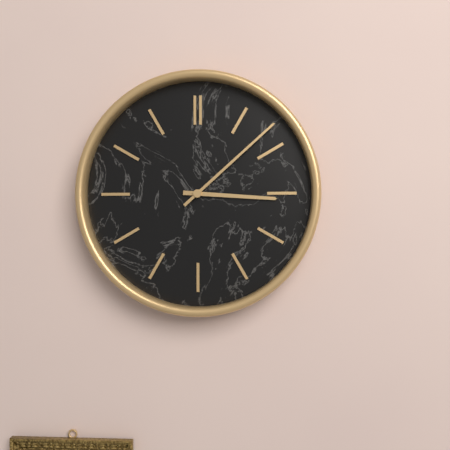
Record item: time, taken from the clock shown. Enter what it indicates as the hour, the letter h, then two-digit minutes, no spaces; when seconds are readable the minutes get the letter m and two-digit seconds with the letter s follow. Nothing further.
3h08
